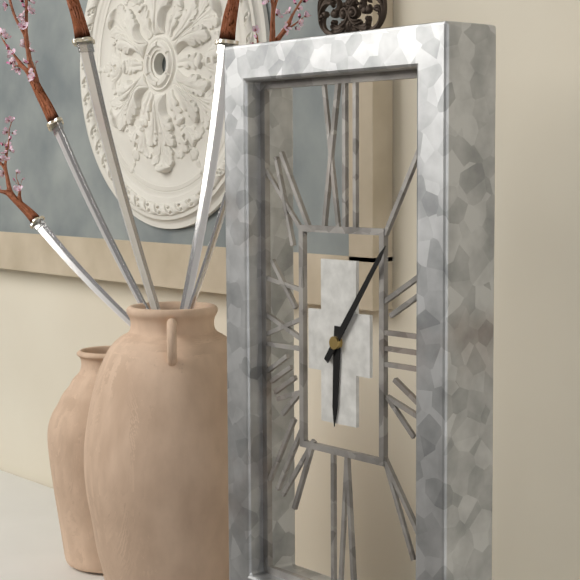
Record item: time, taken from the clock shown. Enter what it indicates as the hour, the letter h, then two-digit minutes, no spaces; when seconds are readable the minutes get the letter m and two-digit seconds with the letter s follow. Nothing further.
6h06
